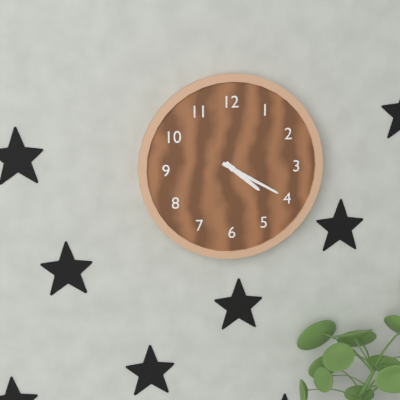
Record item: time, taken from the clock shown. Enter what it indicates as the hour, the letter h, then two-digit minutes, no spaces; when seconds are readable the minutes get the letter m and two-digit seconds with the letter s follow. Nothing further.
4h20
